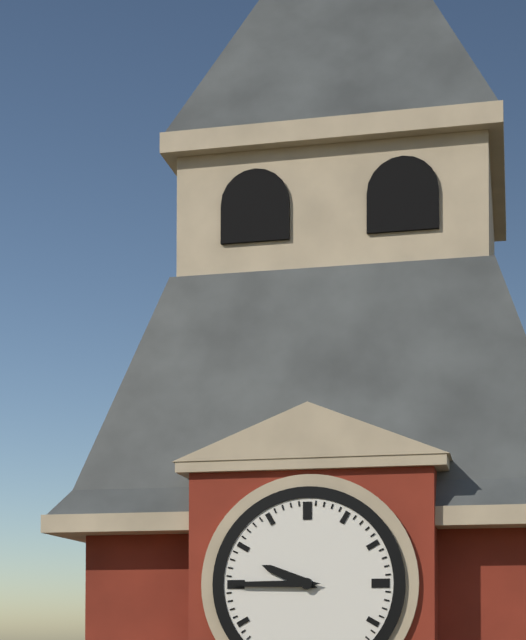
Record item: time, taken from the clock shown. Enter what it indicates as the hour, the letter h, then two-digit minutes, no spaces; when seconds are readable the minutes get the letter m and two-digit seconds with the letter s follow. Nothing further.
9h45
